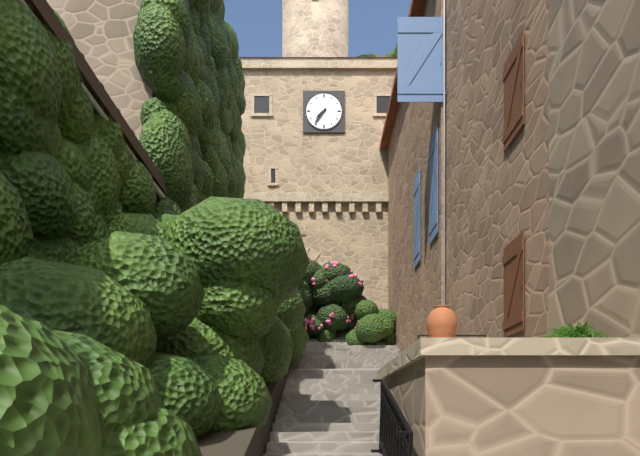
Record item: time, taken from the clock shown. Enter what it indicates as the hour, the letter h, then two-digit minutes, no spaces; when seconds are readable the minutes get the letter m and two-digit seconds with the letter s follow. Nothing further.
7h36
